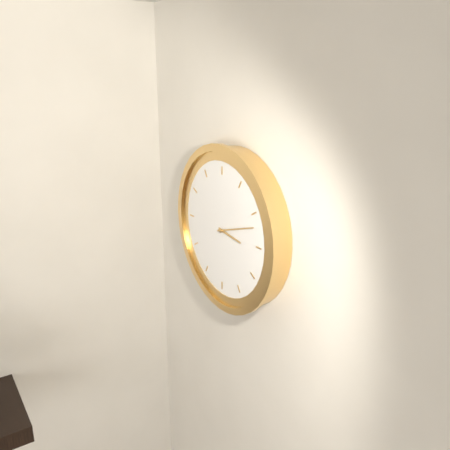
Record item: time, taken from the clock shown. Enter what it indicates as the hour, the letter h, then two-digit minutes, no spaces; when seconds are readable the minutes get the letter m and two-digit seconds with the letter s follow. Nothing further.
3h12
